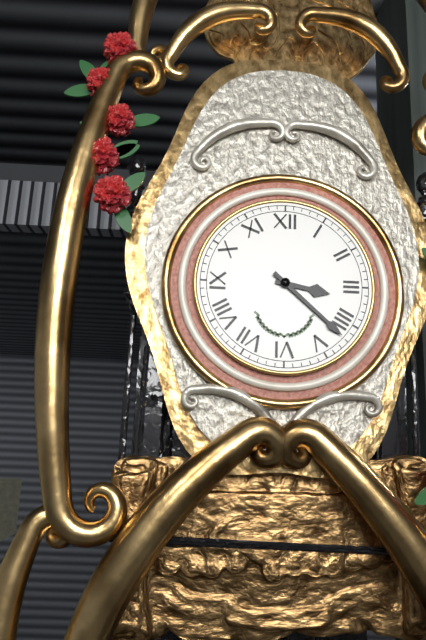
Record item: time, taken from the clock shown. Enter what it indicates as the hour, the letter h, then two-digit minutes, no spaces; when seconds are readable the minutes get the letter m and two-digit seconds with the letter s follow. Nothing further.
3h22
